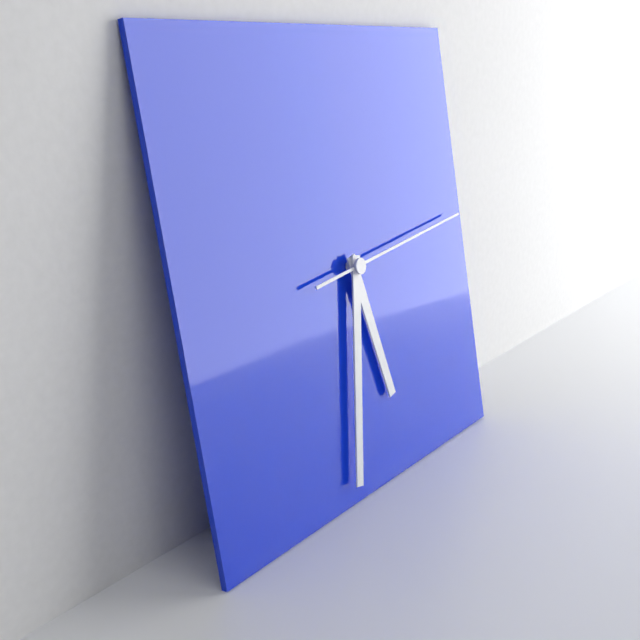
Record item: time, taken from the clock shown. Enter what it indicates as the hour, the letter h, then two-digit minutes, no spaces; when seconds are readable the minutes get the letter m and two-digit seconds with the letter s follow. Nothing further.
5h32m14s
